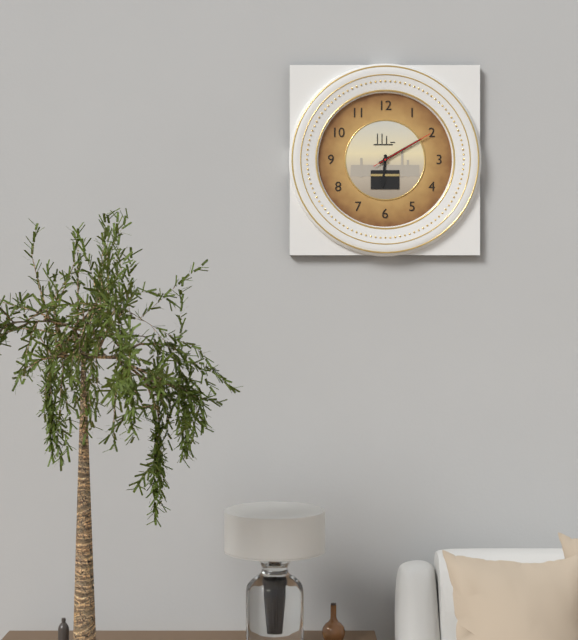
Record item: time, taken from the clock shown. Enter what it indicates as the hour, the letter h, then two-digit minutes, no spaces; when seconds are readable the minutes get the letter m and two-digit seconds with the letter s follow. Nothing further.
6h10m10s
